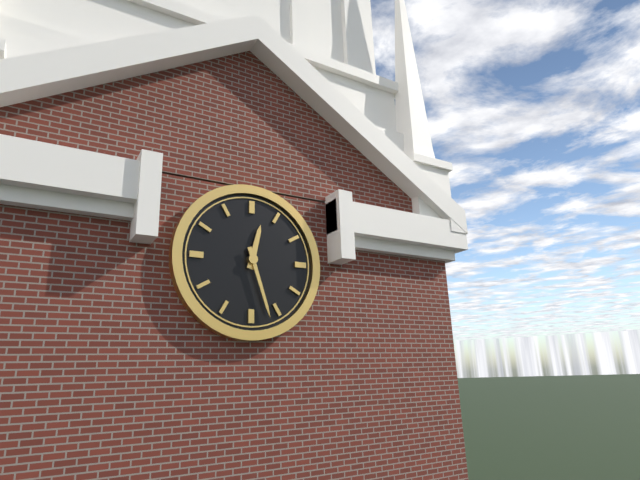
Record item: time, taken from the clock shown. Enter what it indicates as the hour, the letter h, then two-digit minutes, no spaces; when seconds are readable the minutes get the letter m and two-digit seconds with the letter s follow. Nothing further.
12h27
